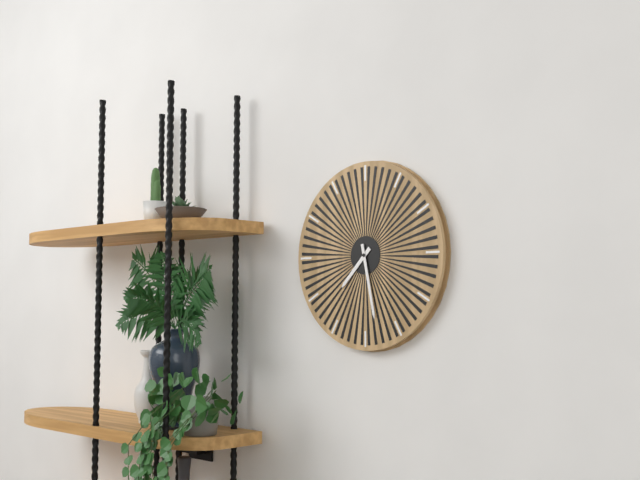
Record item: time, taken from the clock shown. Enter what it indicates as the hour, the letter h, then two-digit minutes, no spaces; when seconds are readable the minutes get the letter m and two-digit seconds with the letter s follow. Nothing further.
7h28
